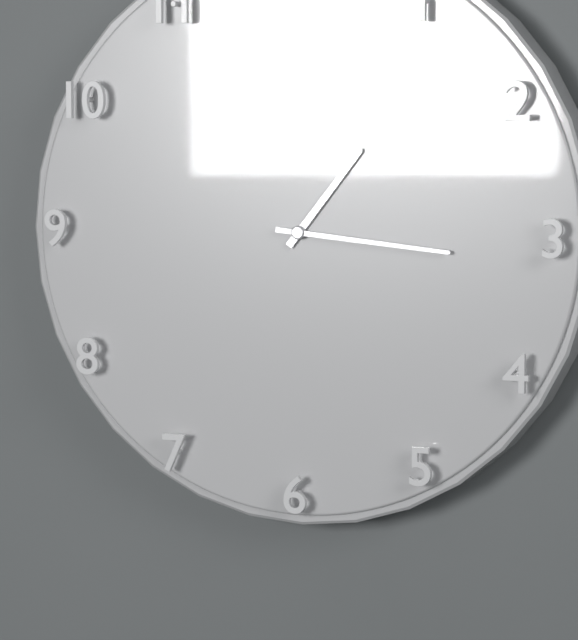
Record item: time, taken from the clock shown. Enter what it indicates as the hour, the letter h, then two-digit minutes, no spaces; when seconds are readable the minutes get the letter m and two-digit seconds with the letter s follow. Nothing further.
1h16
